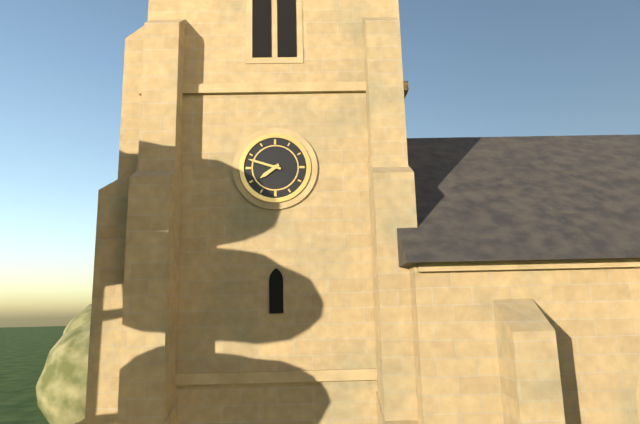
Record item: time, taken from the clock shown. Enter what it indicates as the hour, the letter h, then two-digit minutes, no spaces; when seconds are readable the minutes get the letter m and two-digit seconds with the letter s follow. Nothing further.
7h48
